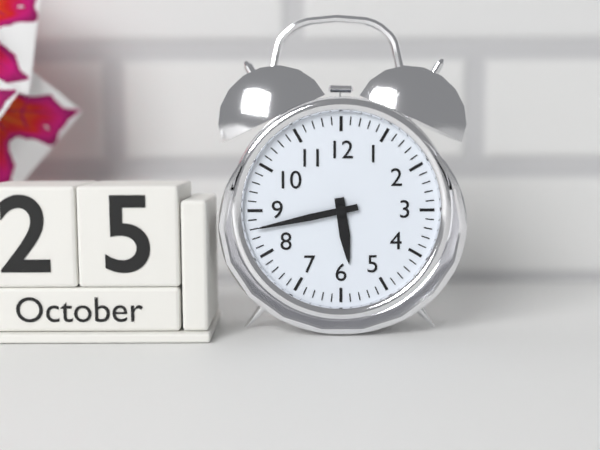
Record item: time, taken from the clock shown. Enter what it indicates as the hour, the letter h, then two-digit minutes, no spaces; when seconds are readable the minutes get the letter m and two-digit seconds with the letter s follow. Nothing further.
5h43
